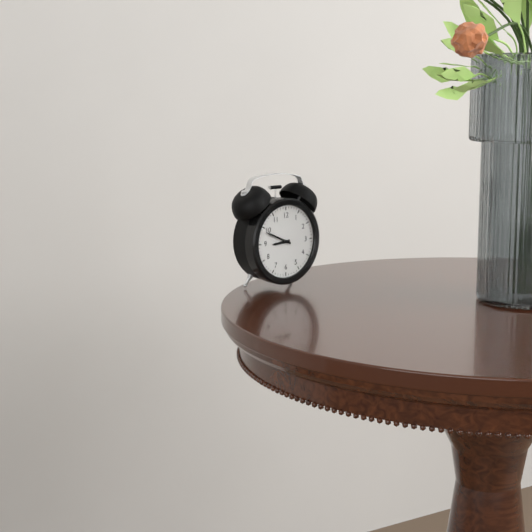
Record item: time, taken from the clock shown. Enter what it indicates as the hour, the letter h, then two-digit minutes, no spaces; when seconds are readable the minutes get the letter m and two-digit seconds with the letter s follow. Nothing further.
8h49
